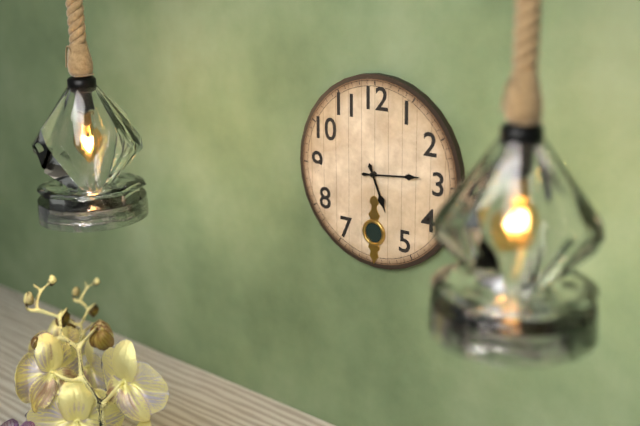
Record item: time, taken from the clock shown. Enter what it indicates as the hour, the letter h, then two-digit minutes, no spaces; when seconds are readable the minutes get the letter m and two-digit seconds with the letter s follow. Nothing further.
5h14
